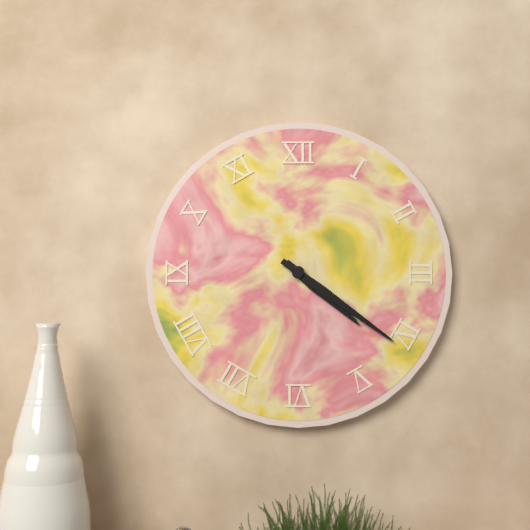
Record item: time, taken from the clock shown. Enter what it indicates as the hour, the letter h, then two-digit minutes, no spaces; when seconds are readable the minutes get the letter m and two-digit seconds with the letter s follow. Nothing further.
4h21
